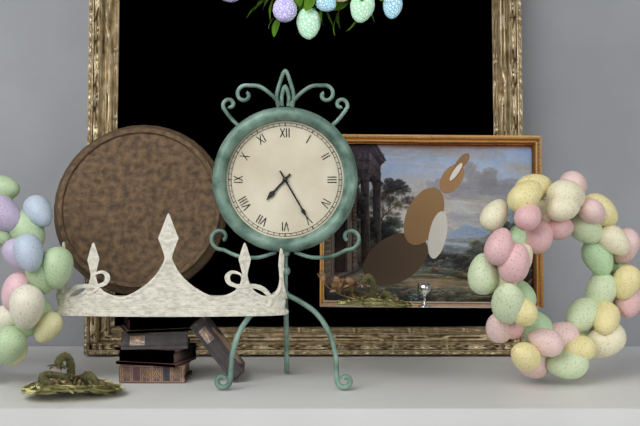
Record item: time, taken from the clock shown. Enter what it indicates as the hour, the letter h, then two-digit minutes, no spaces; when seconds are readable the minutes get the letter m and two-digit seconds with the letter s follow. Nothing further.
7h25
